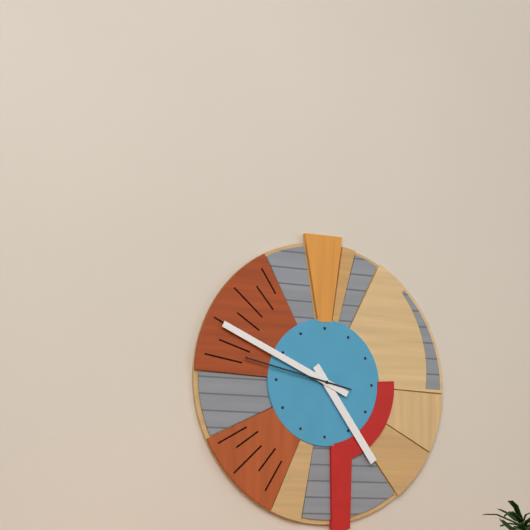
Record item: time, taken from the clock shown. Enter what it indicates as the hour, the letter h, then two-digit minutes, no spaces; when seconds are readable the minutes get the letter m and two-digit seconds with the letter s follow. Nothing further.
4h49m47s
